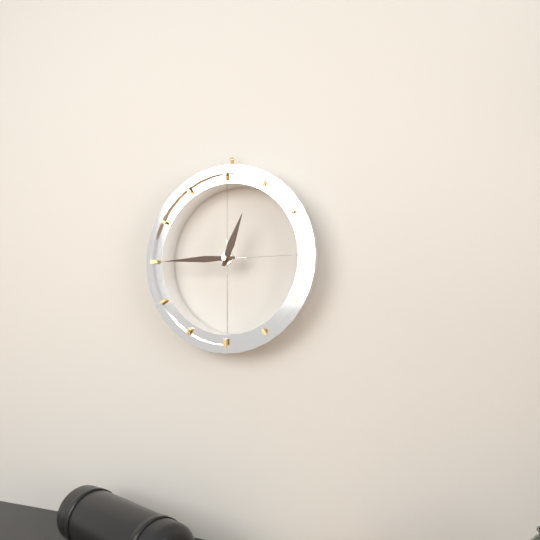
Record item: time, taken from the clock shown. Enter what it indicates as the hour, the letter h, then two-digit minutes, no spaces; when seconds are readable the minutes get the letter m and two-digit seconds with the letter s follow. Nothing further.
12h45
